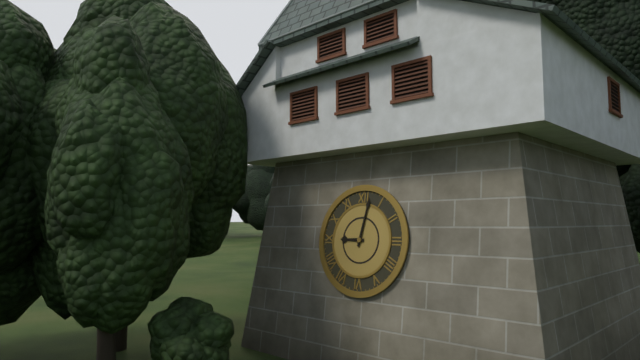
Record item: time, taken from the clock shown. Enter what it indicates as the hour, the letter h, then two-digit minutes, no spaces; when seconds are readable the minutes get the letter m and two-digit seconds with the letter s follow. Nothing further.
9h02
